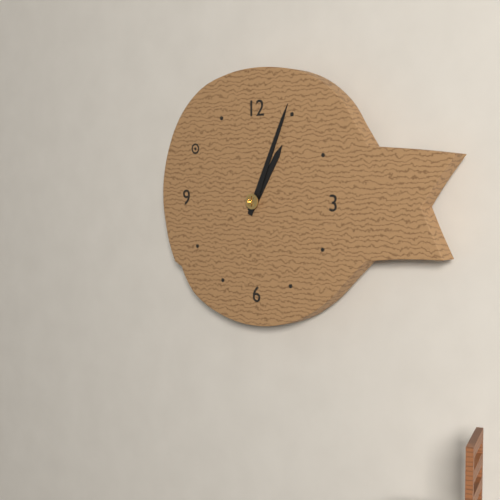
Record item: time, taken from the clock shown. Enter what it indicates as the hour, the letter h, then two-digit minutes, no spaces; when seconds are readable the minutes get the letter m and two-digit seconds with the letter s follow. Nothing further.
1h04
